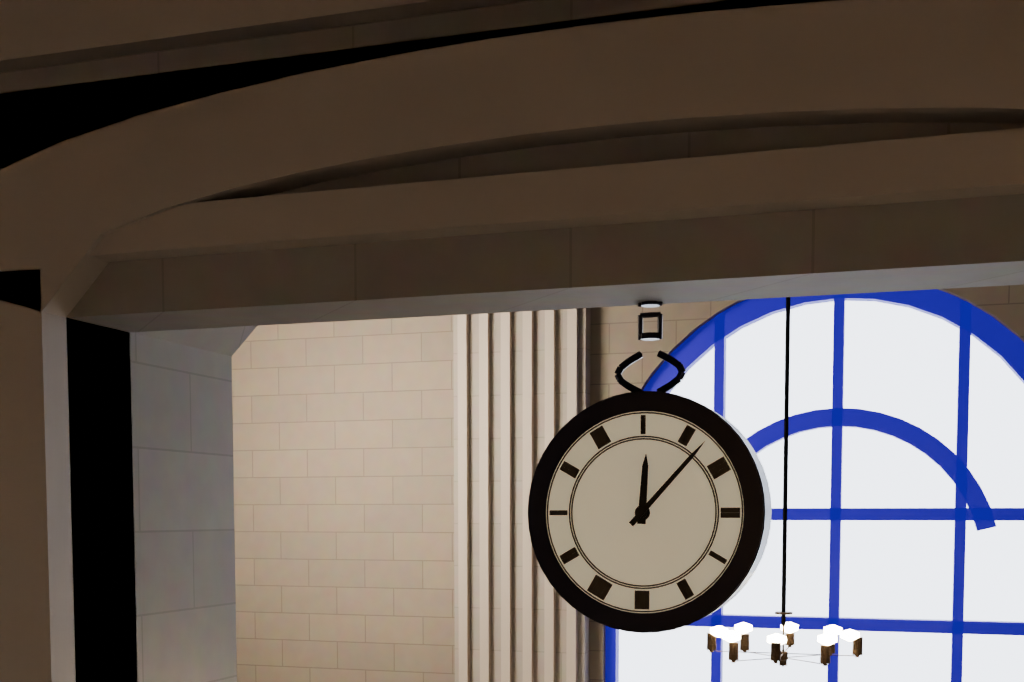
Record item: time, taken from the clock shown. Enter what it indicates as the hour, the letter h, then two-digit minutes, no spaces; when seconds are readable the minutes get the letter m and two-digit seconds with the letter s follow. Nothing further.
12h07
